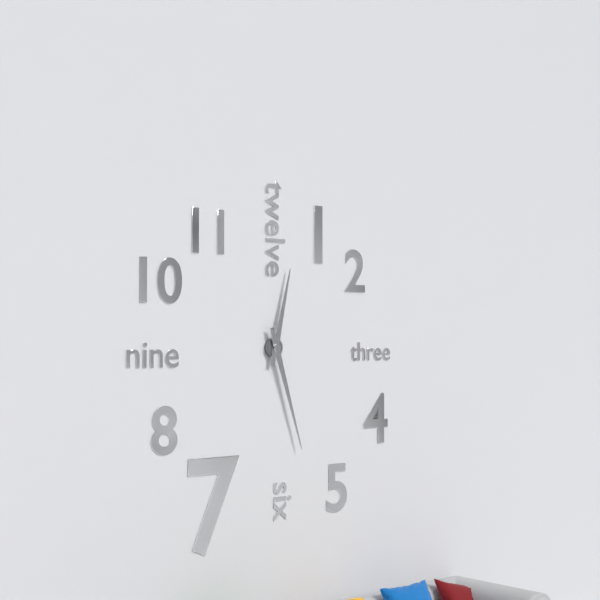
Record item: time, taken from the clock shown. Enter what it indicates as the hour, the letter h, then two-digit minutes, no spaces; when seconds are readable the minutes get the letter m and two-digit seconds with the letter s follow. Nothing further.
12h27
